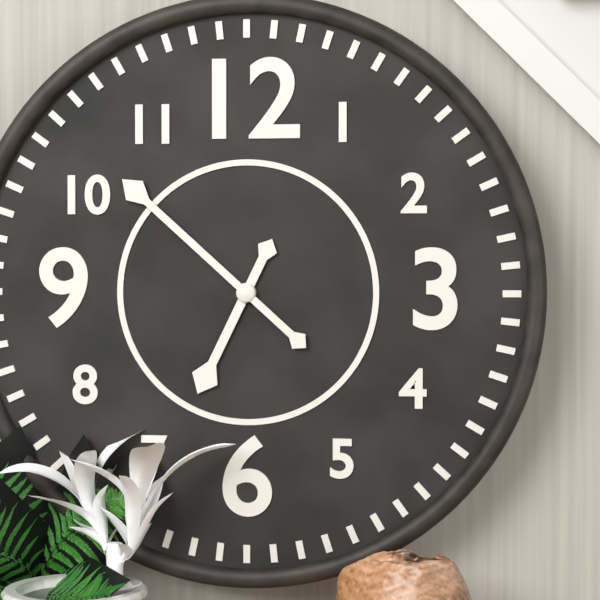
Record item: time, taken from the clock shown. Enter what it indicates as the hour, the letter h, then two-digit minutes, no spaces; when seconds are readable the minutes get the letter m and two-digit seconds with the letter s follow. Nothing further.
6h52
